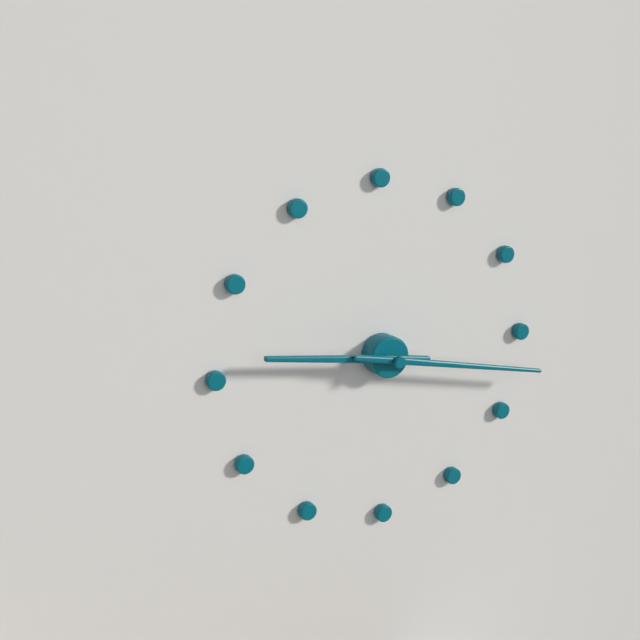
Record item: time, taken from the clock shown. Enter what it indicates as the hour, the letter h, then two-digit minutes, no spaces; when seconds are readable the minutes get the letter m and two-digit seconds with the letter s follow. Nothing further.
9h17
